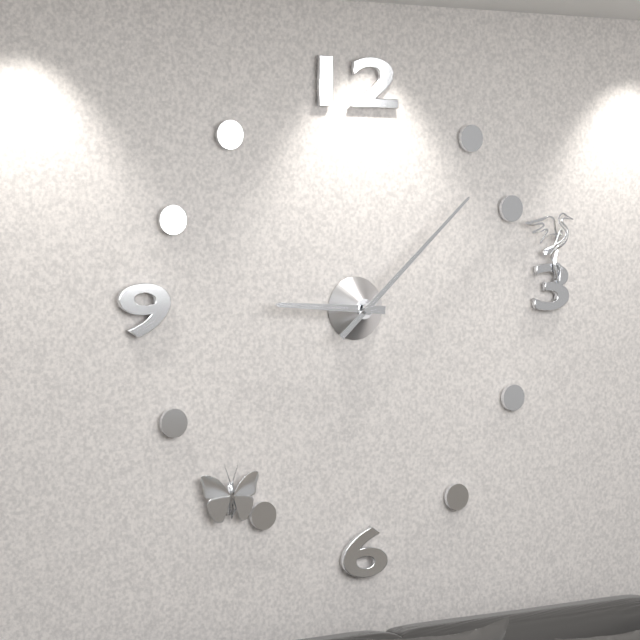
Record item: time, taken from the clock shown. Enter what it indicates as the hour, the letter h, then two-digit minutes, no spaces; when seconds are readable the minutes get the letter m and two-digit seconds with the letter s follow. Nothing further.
9h08
